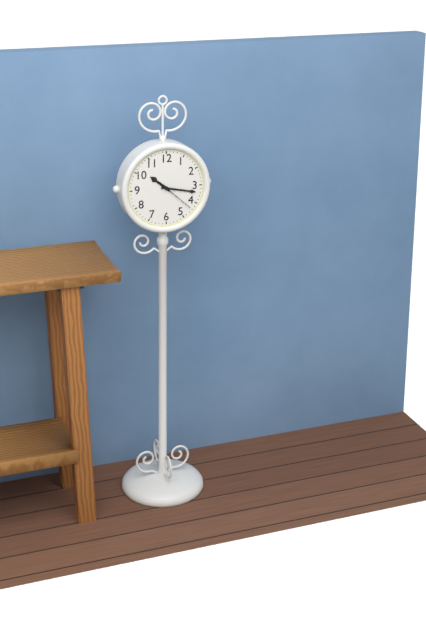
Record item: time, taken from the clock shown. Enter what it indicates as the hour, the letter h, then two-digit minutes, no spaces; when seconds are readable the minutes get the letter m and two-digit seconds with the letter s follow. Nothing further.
10h17
